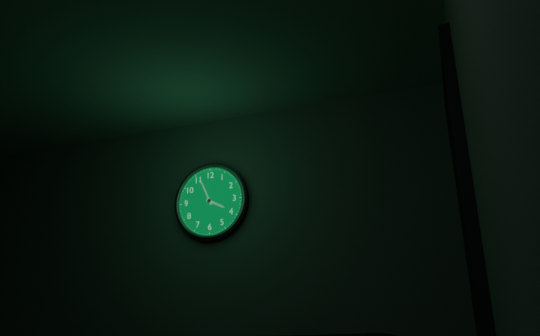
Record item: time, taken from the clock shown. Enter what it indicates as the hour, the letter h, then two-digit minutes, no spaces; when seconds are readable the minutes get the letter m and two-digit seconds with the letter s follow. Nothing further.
3h56
